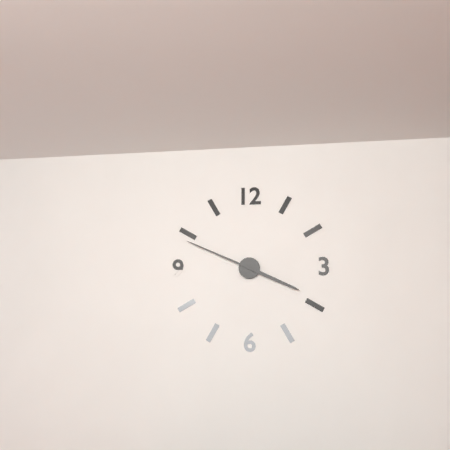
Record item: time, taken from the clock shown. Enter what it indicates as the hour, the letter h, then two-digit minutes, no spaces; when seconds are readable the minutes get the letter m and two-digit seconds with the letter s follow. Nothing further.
3h49
